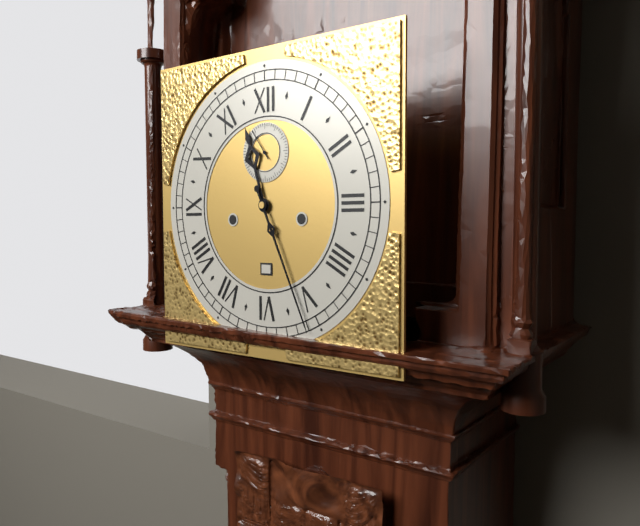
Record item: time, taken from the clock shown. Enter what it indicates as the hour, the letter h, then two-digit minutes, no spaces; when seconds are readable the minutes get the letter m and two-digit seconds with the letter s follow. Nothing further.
11h26
